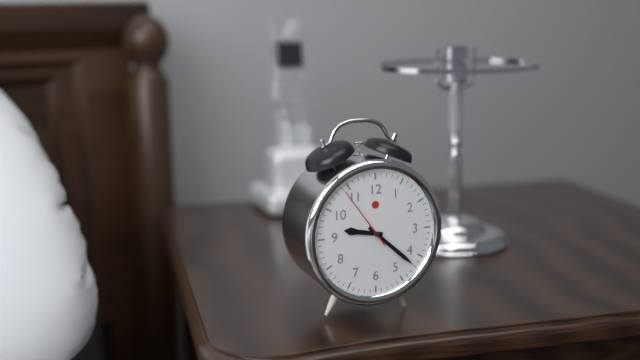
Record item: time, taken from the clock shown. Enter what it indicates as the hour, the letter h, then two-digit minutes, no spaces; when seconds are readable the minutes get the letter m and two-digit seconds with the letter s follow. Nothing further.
9h22m54s
